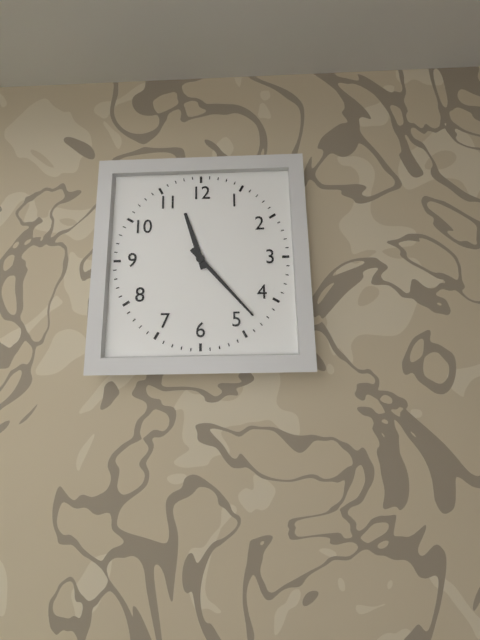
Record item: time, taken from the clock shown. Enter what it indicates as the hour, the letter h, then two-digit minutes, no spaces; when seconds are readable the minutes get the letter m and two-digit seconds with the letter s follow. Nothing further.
11h23
